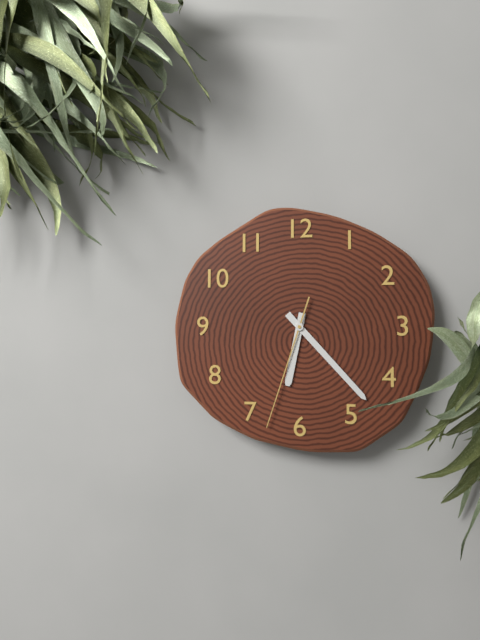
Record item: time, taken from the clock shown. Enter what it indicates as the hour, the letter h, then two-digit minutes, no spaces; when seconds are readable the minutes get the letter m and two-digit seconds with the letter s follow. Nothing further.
6h23m33s
